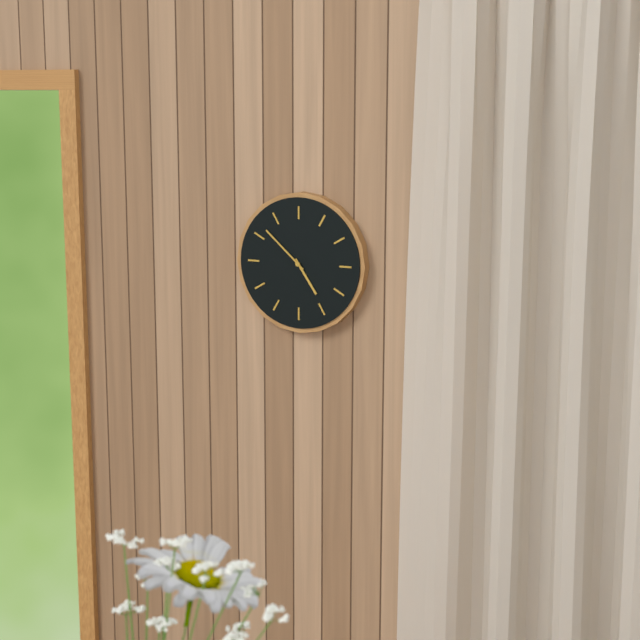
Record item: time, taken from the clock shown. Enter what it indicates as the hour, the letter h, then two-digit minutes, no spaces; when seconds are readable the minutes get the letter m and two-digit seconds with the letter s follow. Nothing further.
4h52
